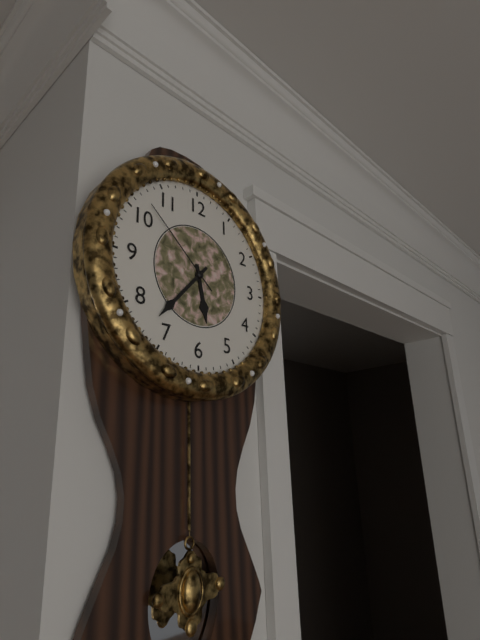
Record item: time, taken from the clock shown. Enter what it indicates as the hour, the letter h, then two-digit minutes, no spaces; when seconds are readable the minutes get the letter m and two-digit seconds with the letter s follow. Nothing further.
5h37m52s
